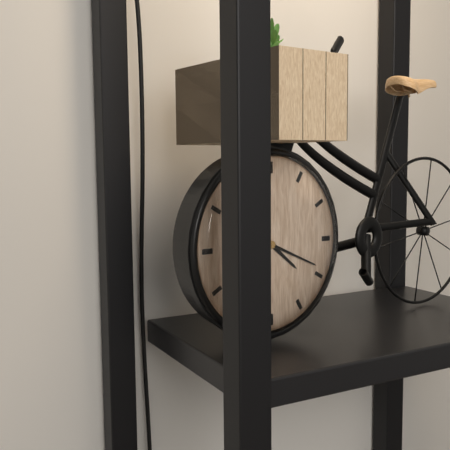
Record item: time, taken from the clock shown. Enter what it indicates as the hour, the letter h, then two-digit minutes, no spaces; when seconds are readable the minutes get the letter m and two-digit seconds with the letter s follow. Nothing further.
4h19
